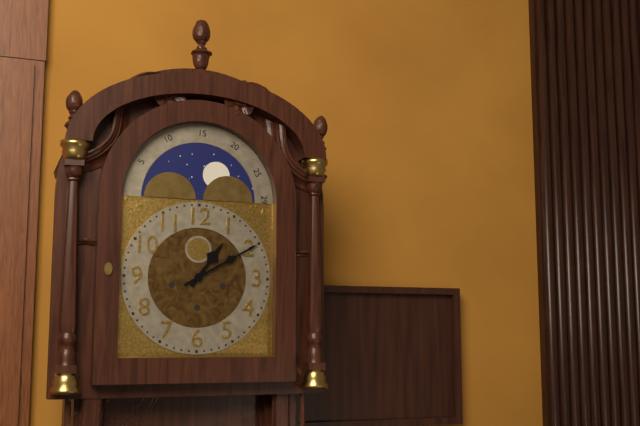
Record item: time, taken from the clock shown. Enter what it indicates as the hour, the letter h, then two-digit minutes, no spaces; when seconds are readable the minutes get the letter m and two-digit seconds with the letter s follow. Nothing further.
1h10
